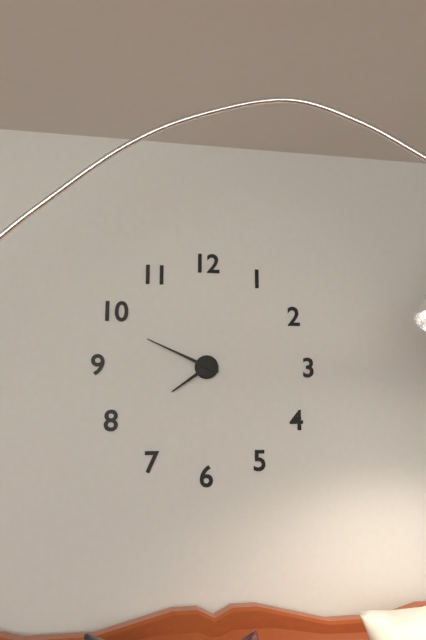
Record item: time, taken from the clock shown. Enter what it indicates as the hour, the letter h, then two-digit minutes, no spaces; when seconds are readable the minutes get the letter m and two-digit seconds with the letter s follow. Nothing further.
7h49
